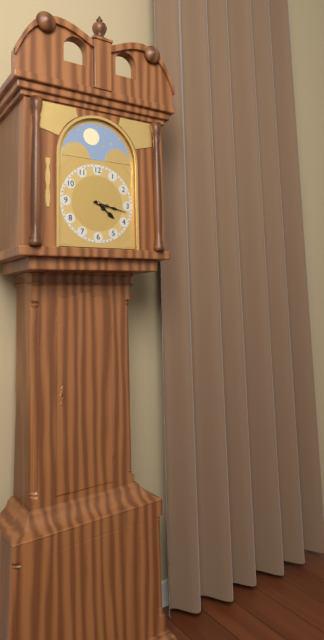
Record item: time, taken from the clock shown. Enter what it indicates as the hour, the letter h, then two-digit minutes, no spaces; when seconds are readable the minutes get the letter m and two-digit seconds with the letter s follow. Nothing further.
4h17
